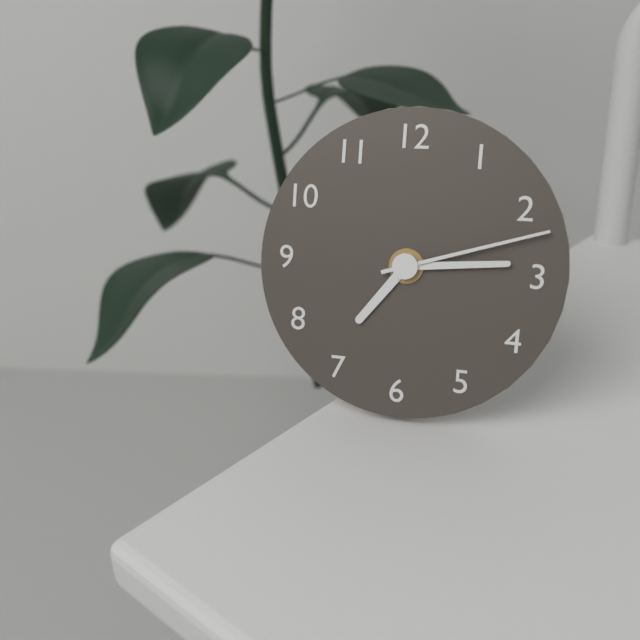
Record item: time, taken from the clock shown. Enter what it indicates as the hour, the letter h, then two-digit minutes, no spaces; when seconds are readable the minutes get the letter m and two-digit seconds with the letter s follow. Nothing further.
7h14m12s
